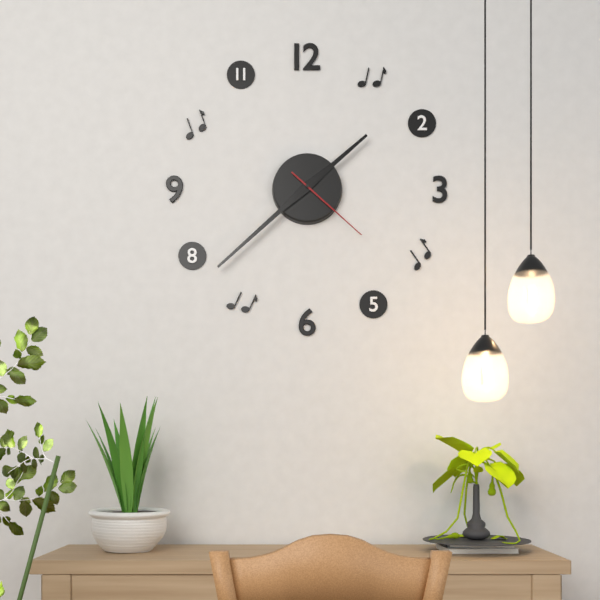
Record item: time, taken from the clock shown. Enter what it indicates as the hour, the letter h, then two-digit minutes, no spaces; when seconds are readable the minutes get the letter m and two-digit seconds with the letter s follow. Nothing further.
1h38m22s
